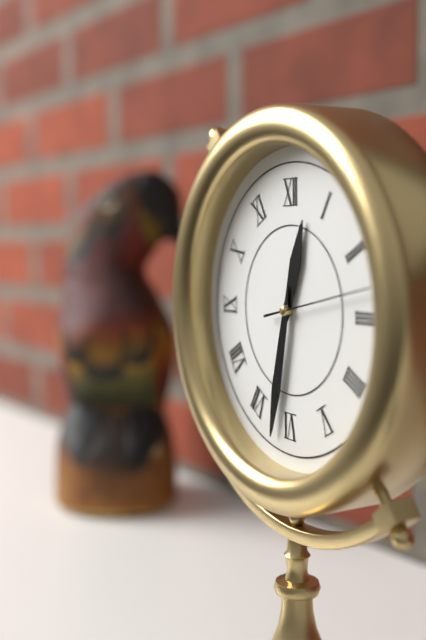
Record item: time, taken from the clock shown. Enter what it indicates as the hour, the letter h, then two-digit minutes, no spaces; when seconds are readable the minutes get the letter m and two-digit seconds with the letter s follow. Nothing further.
12h32m13s
